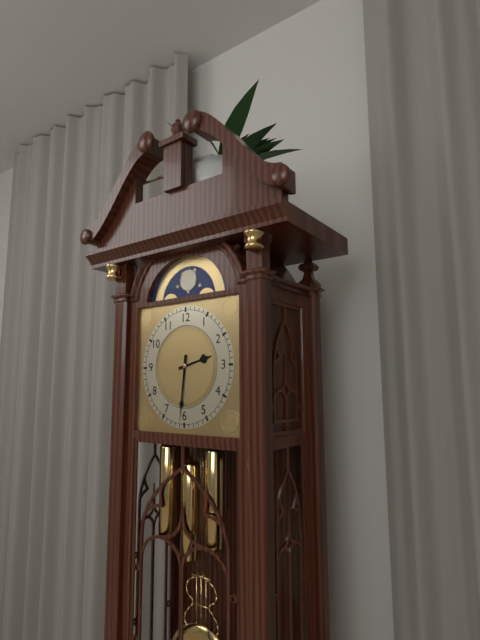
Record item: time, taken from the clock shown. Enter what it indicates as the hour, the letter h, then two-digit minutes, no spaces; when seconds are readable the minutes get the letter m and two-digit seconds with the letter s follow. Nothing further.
2h31
